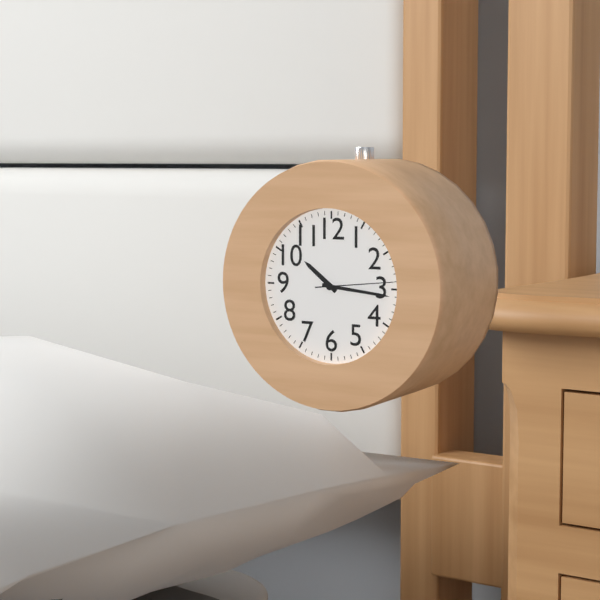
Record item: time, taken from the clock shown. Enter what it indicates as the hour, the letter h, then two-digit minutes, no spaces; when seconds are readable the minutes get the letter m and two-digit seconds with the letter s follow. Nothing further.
10h16m14s
